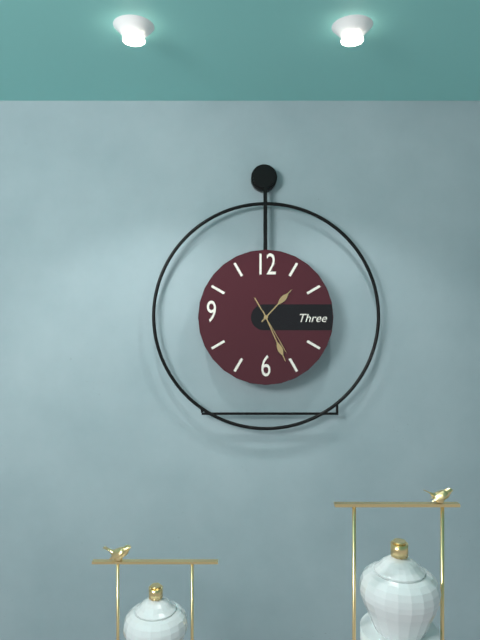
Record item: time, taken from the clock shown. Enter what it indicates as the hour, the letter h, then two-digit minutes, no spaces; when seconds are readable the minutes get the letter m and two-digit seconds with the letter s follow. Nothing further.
1h26m25s
